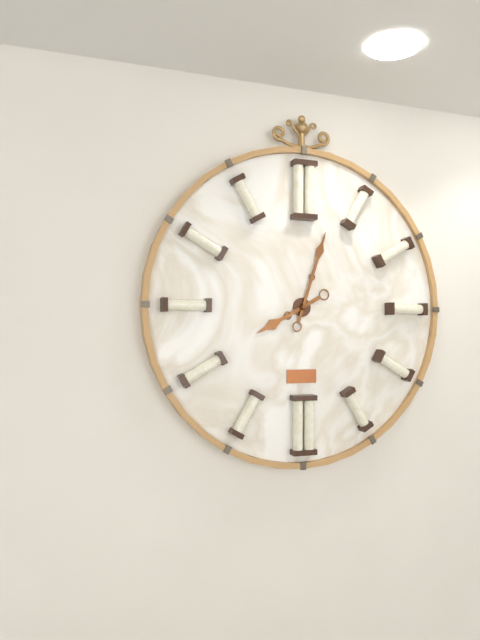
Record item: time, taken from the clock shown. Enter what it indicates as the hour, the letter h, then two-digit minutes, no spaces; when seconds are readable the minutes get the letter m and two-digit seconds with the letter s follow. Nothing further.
8h03
